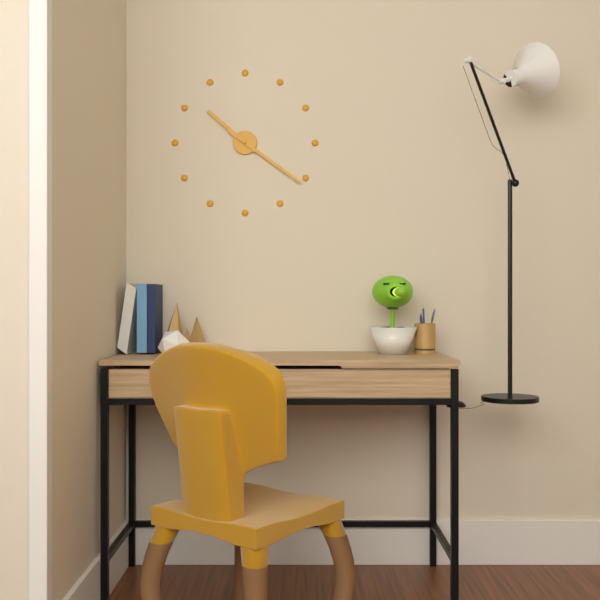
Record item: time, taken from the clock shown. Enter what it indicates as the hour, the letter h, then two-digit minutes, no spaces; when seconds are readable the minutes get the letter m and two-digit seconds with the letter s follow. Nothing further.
10h21
